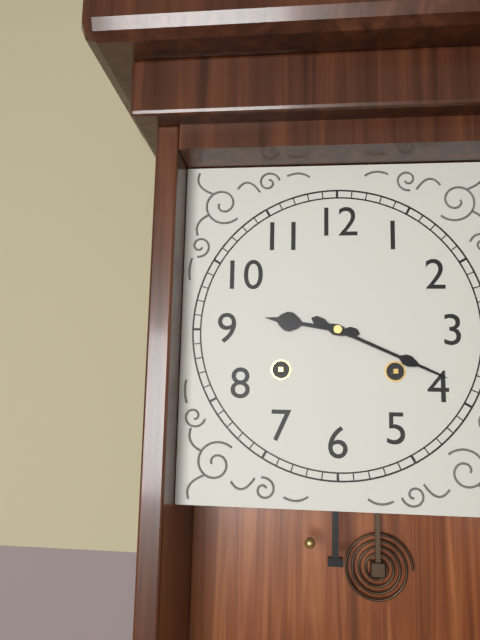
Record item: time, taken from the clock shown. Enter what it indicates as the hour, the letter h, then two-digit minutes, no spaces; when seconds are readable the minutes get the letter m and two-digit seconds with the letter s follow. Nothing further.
9h19
